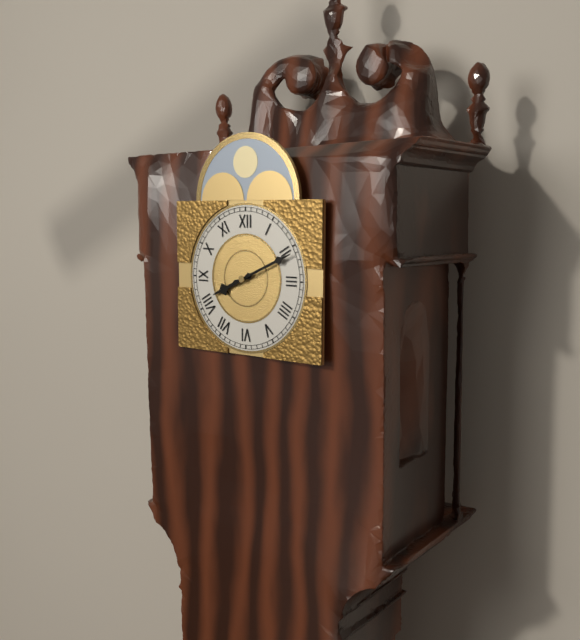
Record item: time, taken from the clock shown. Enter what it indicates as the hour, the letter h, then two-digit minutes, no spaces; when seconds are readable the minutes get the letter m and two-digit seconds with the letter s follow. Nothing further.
8h11
